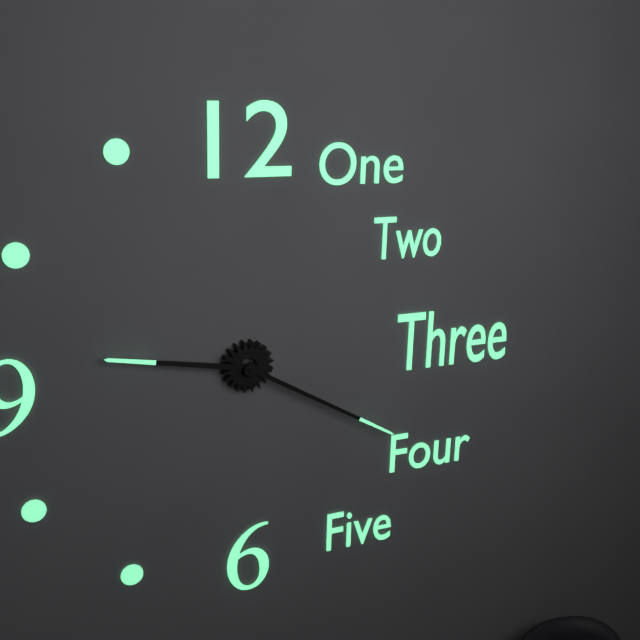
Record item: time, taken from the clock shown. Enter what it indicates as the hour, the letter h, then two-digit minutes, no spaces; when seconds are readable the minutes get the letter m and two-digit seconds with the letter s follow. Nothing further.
9h20
